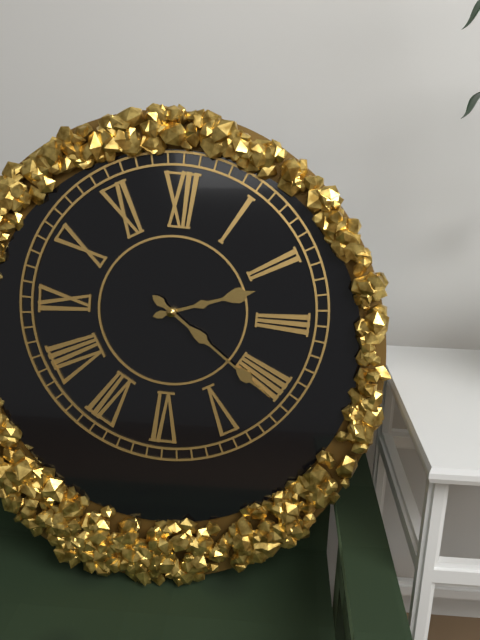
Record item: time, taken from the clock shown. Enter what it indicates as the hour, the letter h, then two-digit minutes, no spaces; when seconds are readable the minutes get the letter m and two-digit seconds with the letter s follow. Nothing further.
2h21
